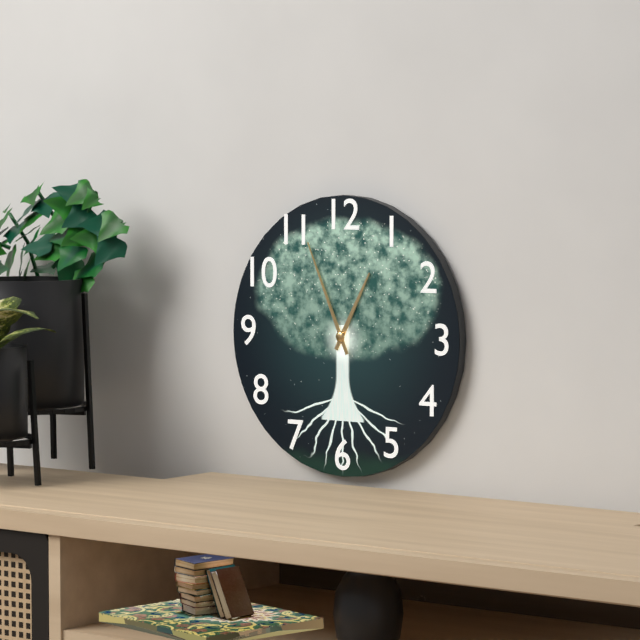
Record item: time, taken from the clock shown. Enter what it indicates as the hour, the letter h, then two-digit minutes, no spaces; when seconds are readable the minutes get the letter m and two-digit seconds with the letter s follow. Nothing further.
12h56
